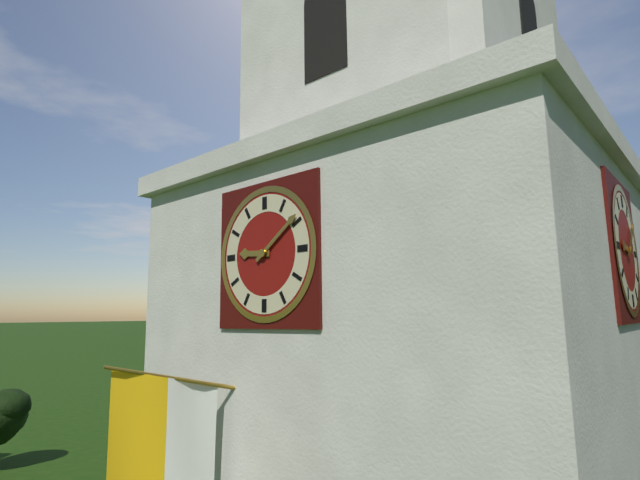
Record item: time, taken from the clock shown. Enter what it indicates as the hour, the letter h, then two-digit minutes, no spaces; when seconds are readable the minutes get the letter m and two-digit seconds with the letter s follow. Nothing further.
9h09
